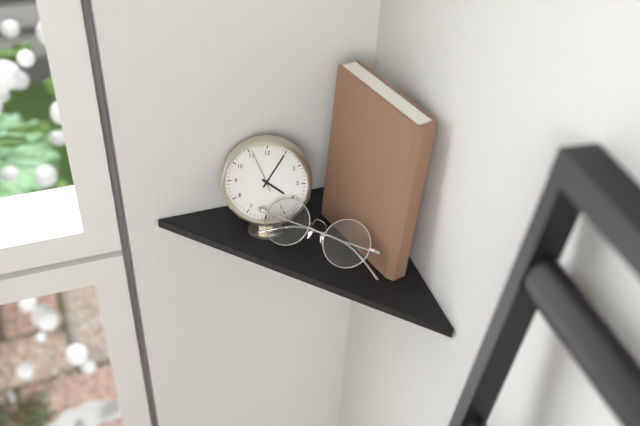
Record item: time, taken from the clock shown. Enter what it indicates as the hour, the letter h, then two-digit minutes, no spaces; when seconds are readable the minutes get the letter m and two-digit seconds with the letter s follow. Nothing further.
4h05
